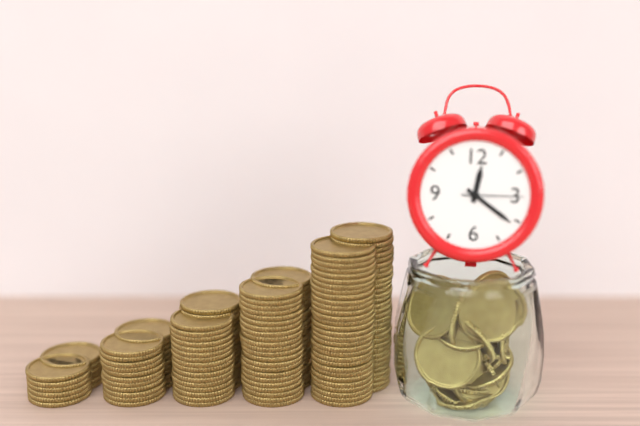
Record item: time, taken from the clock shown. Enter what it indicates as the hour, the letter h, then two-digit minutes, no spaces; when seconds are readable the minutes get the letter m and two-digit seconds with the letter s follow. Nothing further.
12h21m15s
